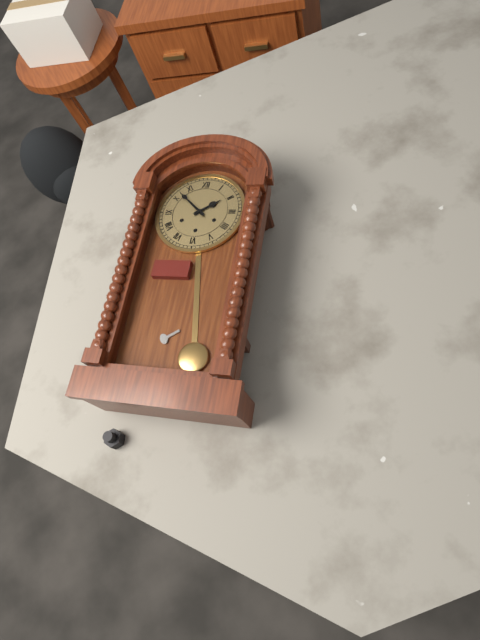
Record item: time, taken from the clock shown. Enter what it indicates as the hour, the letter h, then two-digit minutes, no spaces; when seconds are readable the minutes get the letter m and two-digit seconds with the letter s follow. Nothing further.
1h52
